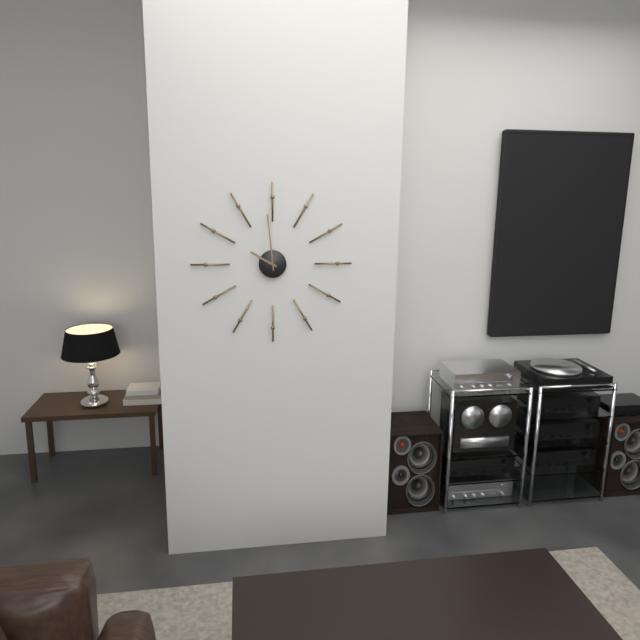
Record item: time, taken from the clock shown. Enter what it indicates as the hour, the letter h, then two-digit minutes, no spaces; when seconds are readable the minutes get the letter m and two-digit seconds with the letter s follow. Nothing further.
9h59
